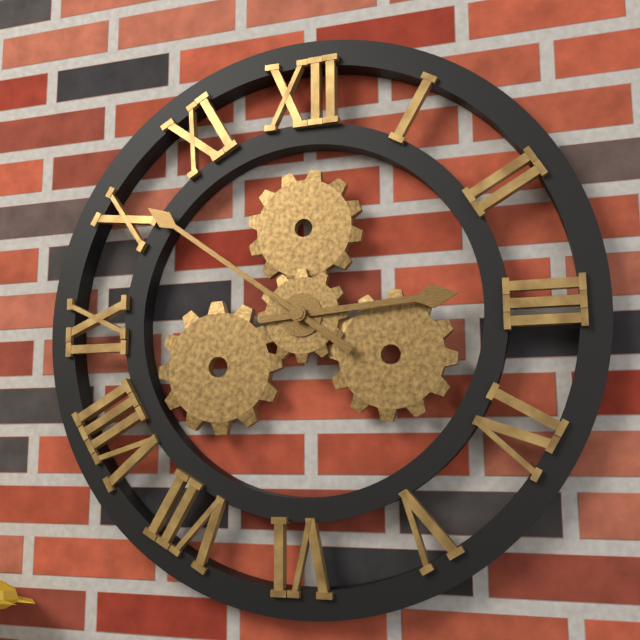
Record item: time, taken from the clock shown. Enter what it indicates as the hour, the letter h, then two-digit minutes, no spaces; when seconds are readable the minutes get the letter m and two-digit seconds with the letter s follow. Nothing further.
2h51
